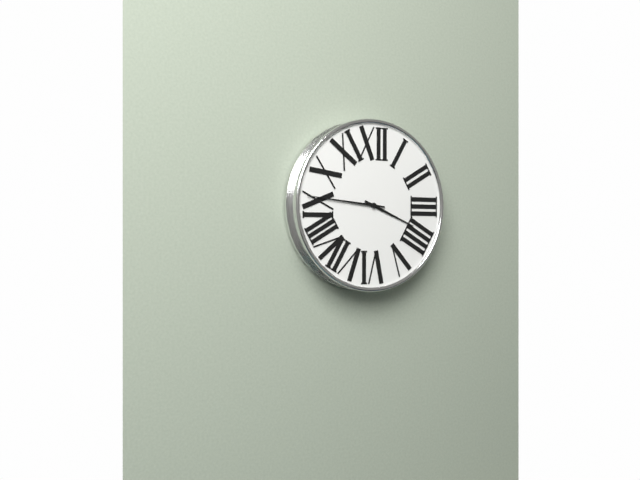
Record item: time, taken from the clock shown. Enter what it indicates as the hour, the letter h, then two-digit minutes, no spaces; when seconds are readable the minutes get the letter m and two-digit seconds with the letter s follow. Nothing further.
3h46
